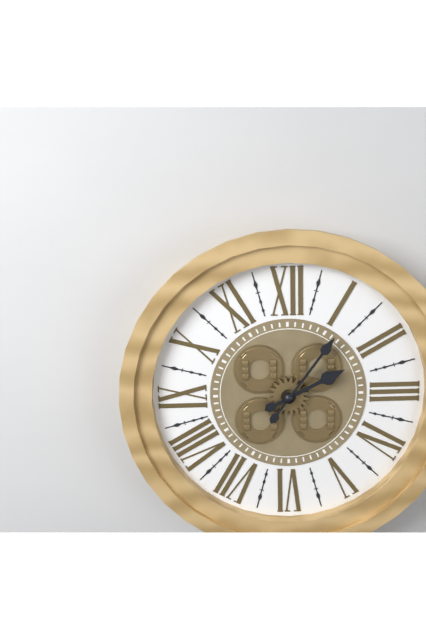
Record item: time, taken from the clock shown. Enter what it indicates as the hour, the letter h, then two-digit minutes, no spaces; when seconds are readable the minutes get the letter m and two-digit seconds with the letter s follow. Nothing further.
2h06
